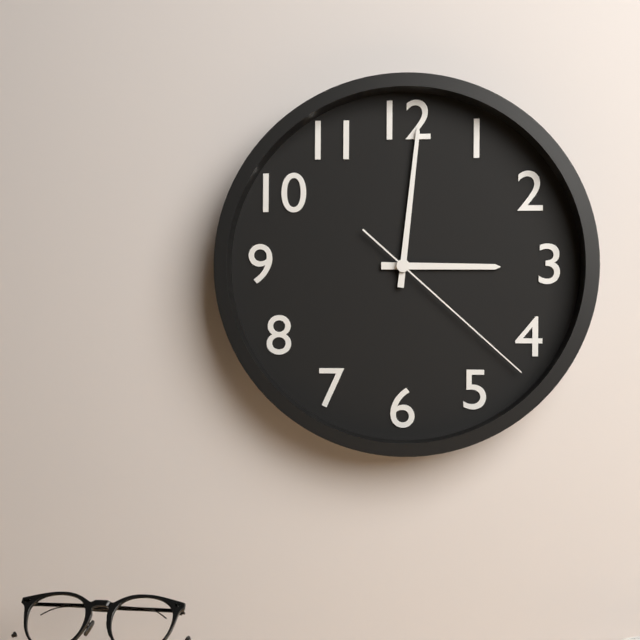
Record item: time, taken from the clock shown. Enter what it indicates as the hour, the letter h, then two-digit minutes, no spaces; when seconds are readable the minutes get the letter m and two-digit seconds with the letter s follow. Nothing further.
3h01m22s
